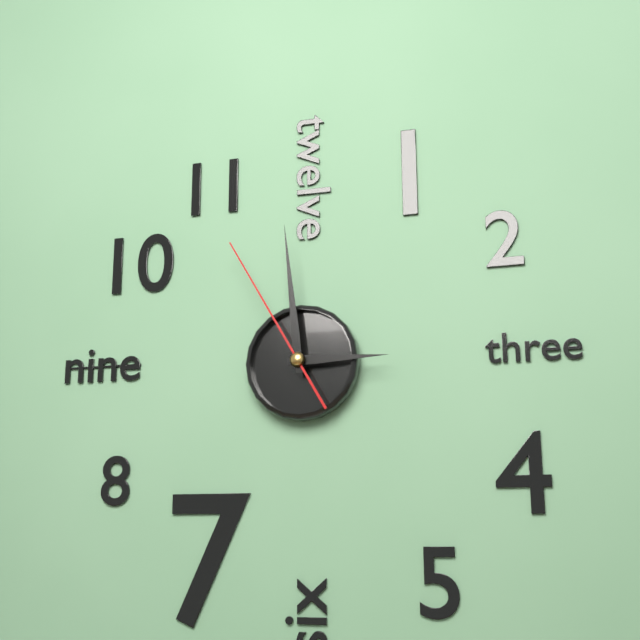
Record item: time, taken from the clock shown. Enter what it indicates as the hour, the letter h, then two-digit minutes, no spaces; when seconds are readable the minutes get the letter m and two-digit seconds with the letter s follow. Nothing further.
2h59m55s
